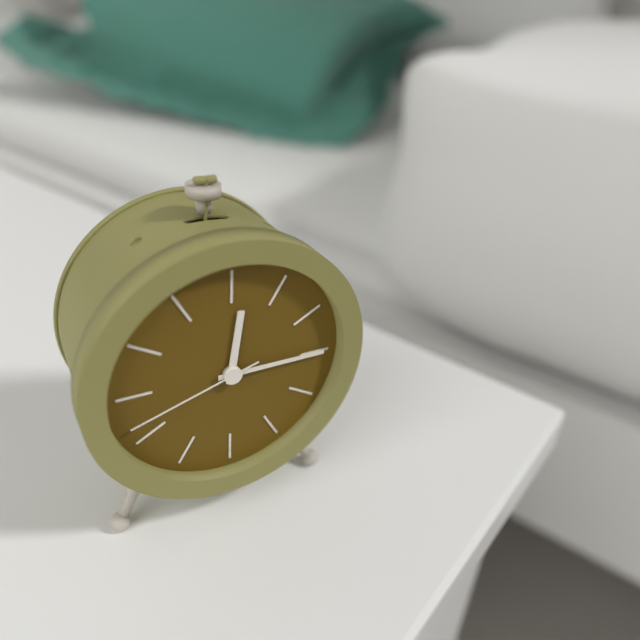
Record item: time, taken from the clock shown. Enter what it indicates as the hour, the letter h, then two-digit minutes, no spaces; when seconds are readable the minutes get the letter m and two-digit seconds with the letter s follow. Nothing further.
12h15m42s
